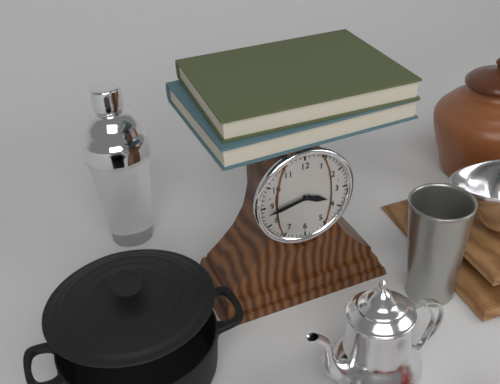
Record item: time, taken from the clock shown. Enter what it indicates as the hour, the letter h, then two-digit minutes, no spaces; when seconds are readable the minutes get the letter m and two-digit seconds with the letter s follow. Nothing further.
3h43
